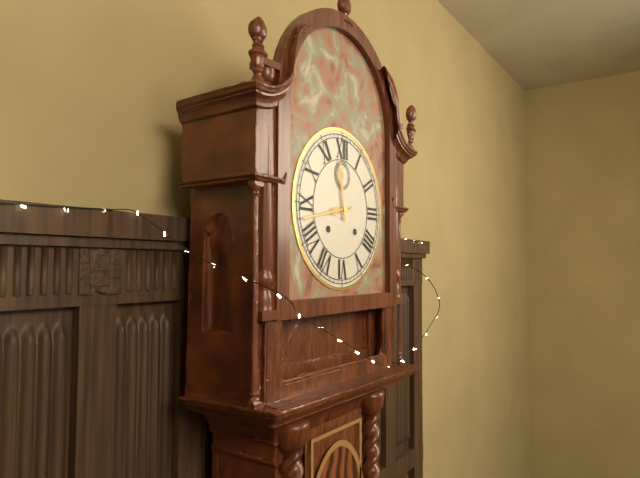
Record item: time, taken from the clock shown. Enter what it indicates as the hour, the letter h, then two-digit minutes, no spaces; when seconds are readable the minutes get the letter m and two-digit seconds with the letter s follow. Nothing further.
11h43
